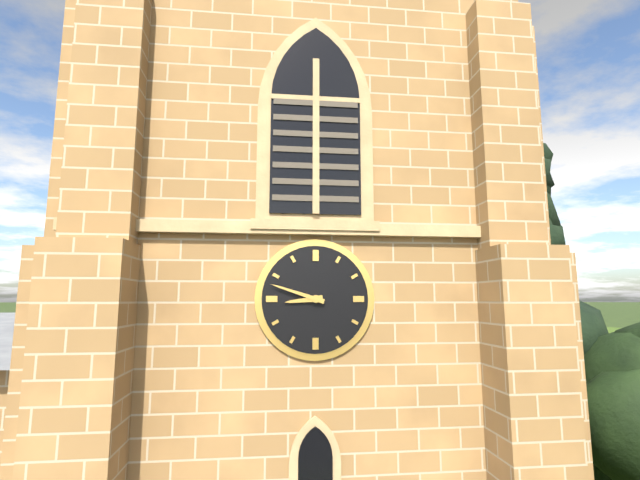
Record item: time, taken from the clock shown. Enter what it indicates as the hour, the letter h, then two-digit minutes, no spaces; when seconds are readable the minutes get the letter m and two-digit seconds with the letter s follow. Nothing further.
8h48
